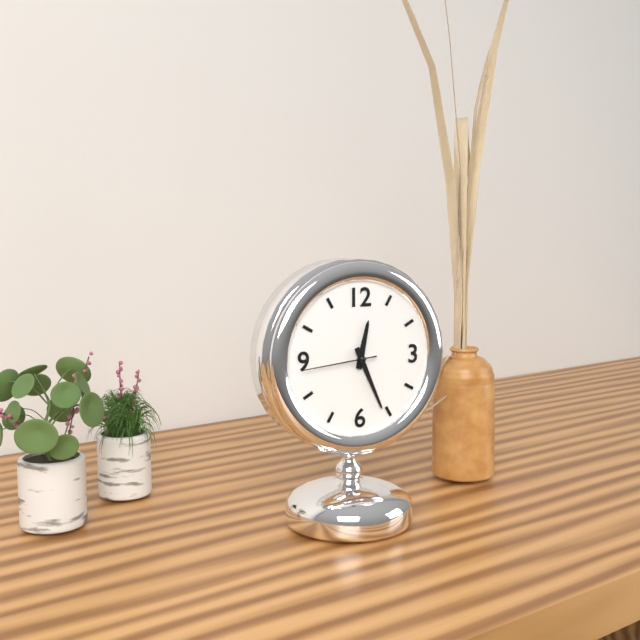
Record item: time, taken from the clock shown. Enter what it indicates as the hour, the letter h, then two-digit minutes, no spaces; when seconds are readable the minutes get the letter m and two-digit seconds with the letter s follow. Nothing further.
12h26m44s
